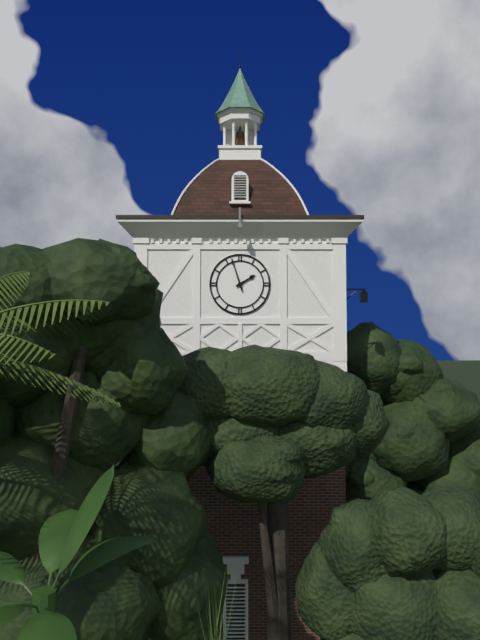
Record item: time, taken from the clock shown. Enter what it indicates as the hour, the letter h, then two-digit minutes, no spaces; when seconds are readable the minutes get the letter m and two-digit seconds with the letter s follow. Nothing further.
1h57
